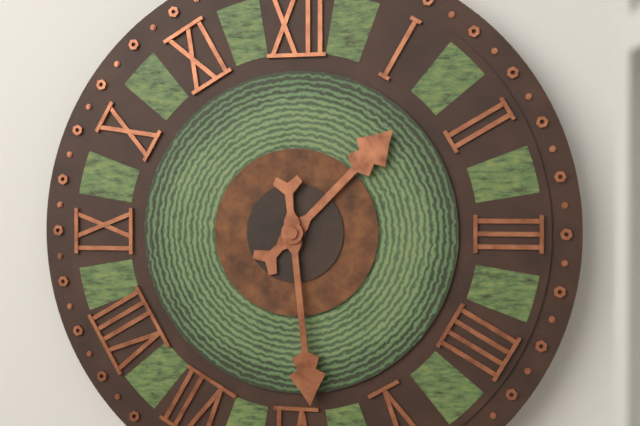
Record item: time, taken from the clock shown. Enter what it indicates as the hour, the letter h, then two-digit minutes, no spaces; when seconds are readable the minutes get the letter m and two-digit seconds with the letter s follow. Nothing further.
1h29
